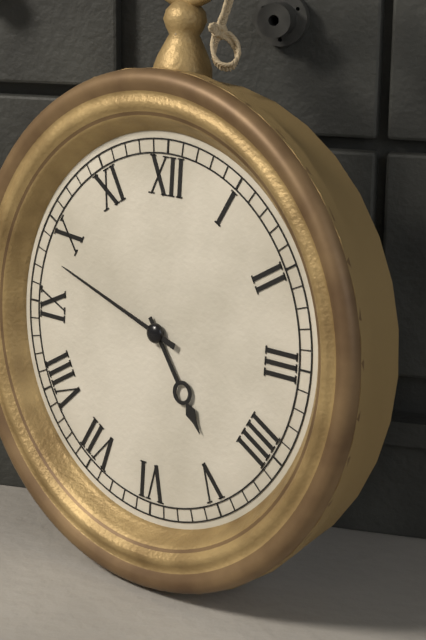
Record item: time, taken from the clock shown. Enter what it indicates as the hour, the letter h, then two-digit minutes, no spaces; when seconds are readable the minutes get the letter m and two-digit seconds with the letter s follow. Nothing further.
4h48
